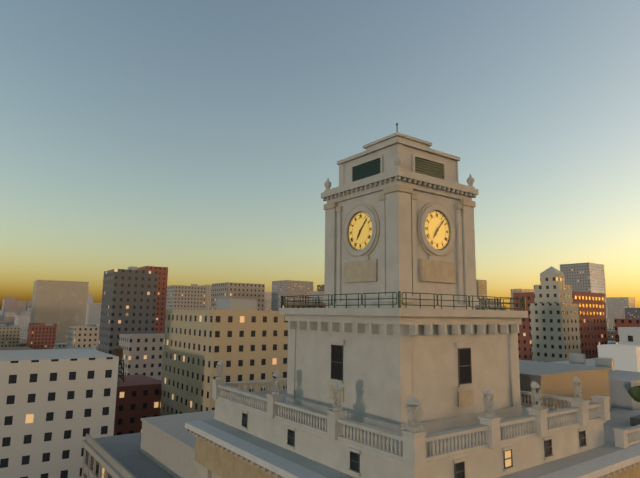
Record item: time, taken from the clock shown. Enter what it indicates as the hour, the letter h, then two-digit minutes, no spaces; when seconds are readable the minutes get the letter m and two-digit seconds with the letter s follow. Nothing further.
7h07
